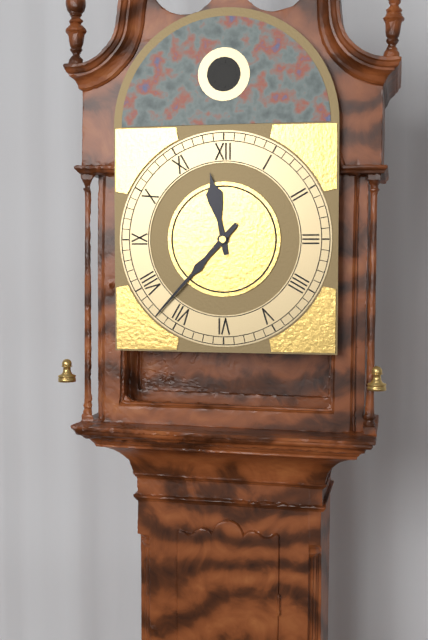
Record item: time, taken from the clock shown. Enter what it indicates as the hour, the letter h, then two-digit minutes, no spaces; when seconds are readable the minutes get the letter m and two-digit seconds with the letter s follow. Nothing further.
11h37
